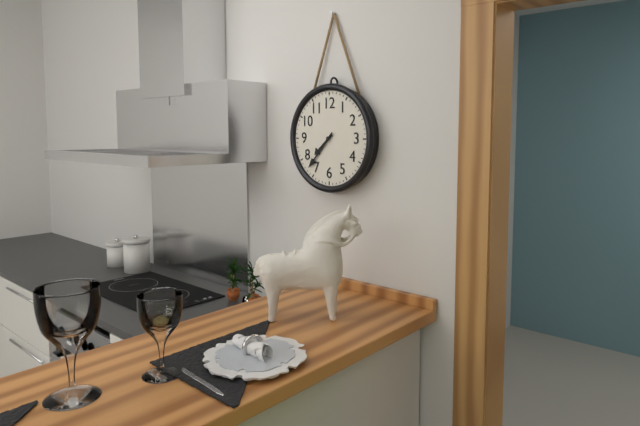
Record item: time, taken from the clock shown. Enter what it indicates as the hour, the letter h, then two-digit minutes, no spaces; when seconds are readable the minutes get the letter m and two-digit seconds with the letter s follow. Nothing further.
7h37
